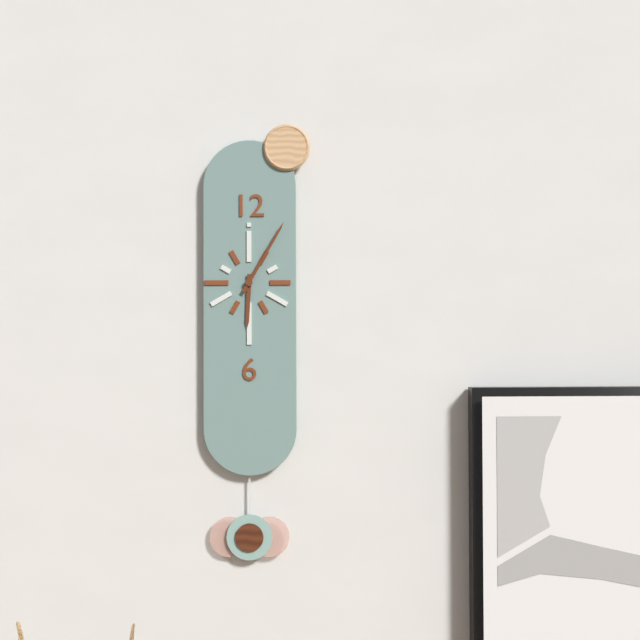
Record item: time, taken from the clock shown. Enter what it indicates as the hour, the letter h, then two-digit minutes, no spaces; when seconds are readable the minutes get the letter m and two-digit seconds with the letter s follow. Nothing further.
6h05
